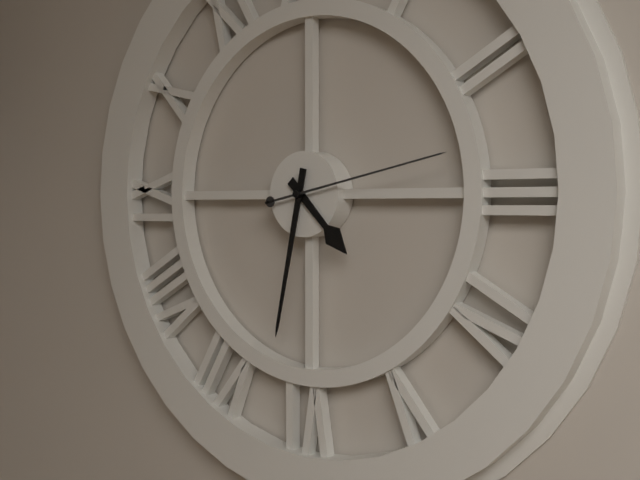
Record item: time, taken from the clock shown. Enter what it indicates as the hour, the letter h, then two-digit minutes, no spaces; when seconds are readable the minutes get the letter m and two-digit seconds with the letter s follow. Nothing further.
4h32m13s
